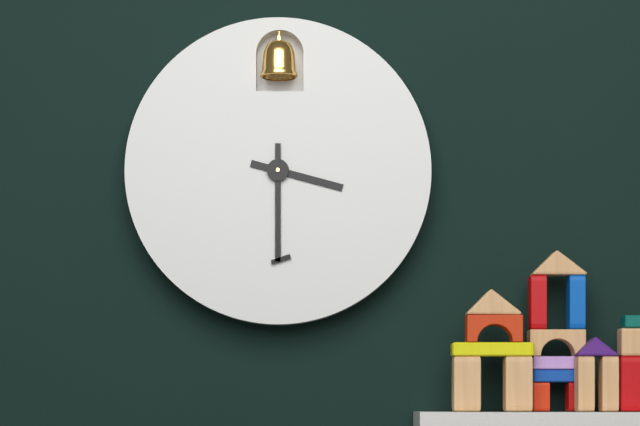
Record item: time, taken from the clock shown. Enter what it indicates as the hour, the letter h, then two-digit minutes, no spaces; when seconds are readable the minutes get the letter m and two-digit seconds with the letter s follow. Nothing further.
3h30
